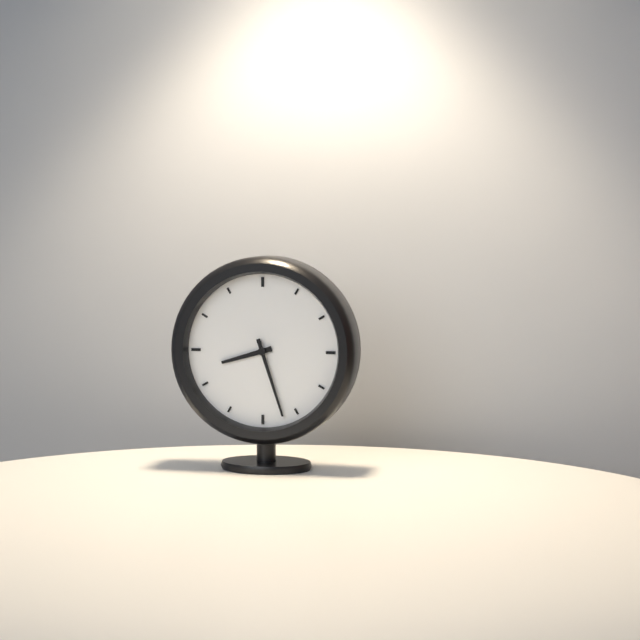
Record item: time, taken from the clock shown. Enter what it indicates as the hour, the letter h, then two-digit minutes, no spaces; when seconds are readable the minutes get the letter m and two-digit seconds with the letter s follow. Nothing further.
8h27
